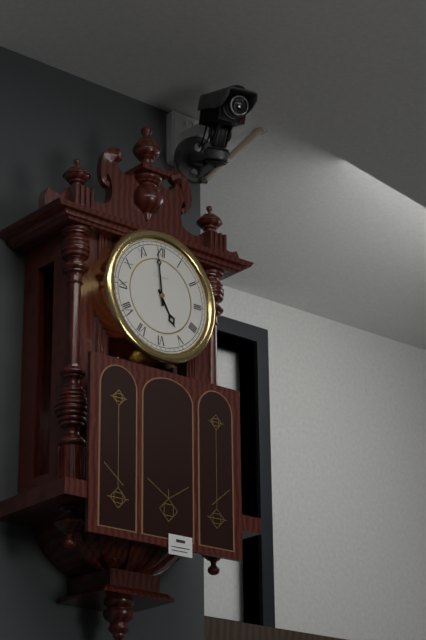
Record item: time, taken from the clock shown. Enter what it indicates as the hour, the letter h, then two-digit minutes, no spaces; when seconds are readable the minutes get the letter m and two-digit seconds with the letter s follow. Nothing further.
4h59
